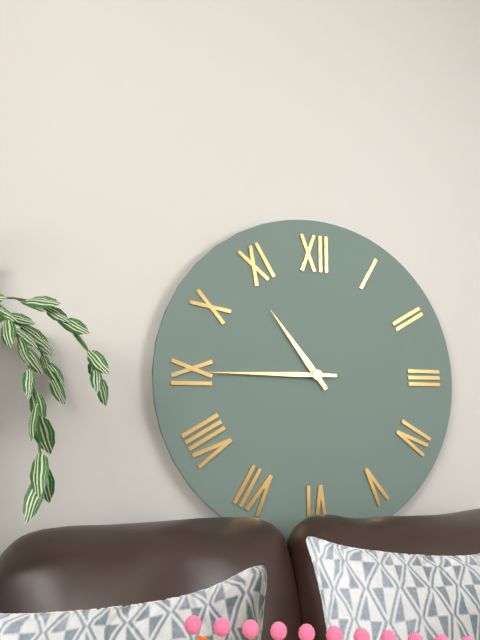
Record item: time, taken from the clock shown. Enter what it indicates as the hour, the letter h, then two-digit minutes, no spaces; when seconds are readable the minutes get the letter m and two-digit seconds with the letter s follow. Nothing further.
10h45
